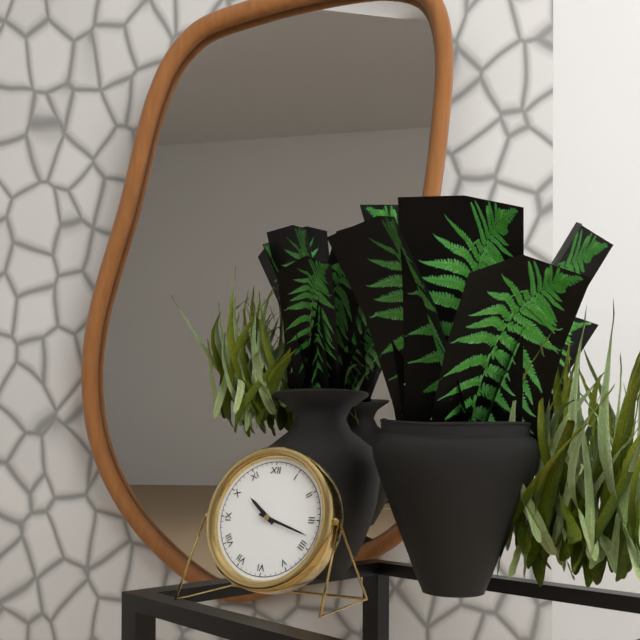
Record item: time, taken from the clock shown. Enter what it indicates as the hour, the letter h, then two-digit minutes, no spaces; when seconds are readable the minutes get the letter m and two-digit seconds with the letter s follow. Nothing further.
10h18
